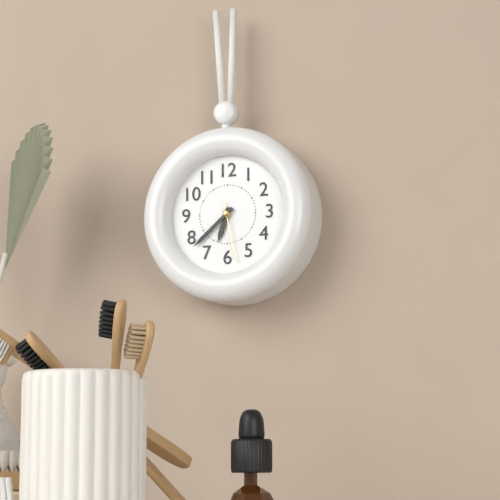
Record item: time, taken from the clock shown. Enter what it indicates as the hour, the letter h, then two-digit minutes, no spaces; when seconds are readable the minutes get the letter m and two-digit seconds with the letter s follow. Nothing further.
6h38m28s
